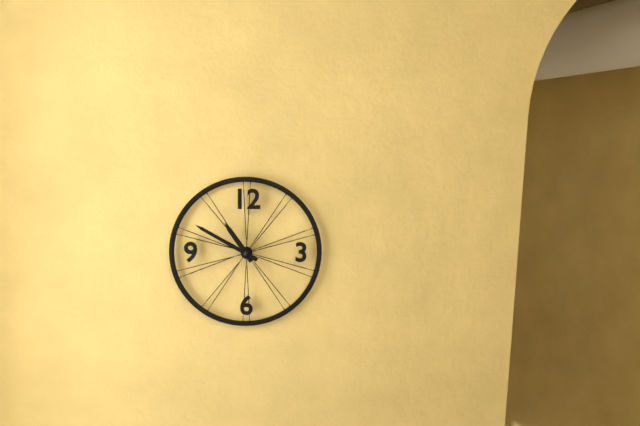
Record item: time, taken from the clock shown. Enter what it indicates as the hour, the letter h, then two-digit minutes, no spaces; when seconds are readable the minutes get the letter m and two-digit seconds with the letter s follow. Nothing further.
10h50
